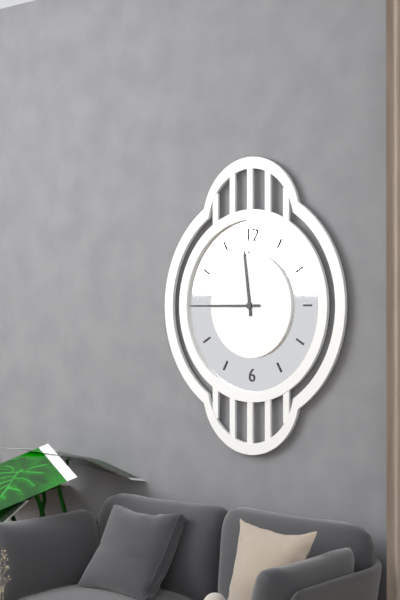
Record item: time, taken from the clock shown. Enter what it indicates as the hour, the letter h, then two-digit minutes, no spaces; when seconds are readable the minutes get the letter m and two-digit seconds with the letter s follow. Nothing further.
11h45
